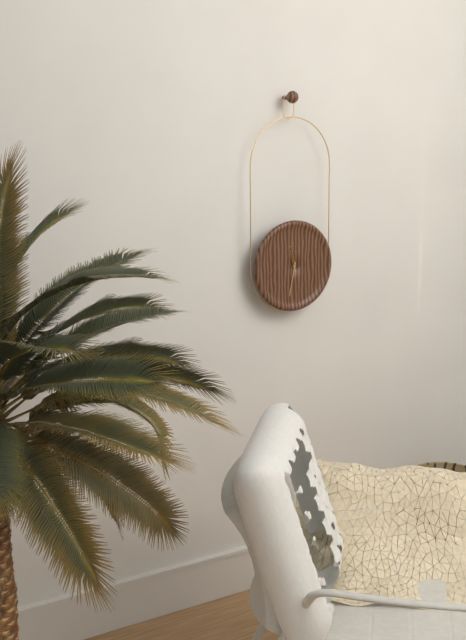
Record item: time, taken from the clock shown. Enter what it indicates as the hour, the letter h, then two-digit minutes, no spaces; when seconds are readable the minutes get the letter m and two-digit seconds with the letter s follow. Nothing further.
11h32
